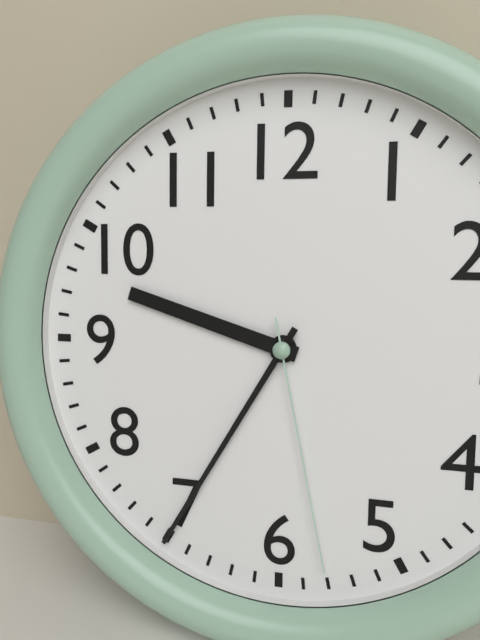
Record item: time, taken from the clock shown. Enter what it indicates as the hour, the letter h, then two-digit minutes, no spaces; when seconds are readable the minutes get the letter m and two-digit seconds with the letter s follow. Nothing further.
9h35m28s
